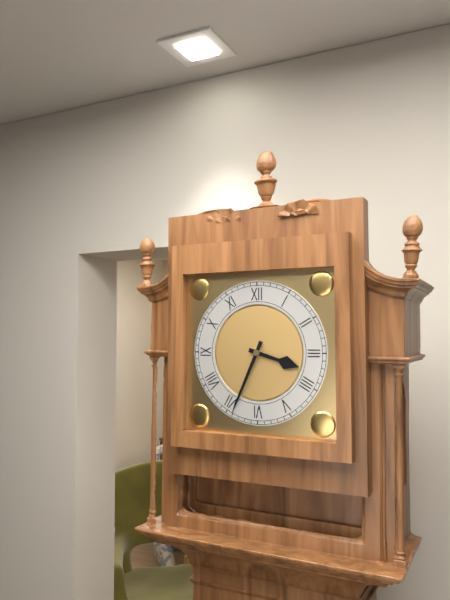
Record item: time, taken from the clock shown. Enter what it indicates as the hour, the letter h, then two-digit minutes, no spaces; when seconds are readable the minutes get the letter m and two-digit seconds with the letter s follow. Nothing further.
3h34
